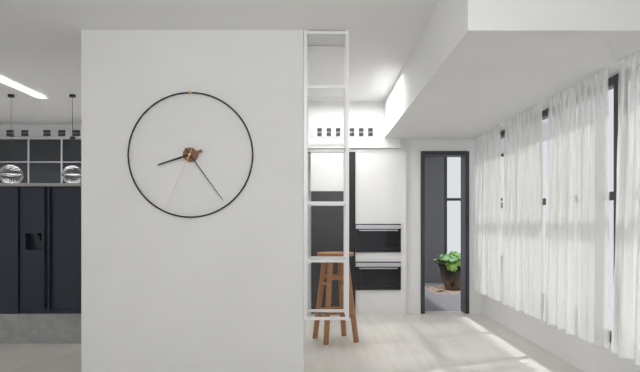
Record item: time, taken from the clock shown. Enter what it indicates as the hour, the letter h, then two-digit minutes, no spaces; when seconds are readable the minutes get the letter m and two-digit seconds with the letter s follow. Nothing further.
8h24m34s
